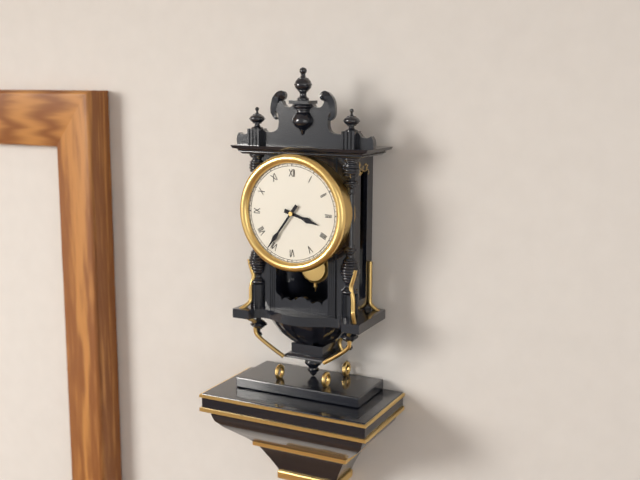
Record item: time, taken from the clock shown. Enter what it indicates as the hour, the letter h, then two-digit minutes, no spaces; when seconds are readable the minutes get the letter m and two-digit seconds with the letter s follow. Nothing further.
3h36
